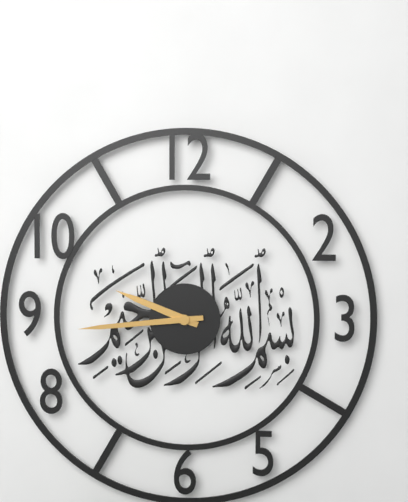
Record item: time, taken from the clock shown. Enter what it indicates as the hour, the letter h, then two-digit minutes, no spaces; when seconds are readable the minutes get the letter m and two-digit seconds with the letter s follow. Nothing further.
9h44
